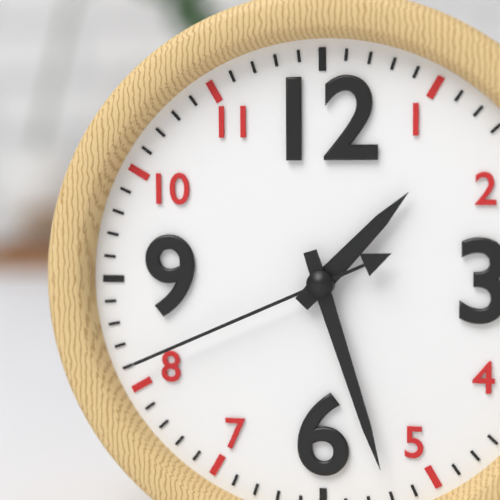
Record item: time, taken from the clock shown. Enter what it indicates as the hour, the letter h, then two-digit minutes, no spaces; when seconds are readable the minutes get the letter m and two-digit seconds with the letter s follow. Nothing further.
1h27m41s
